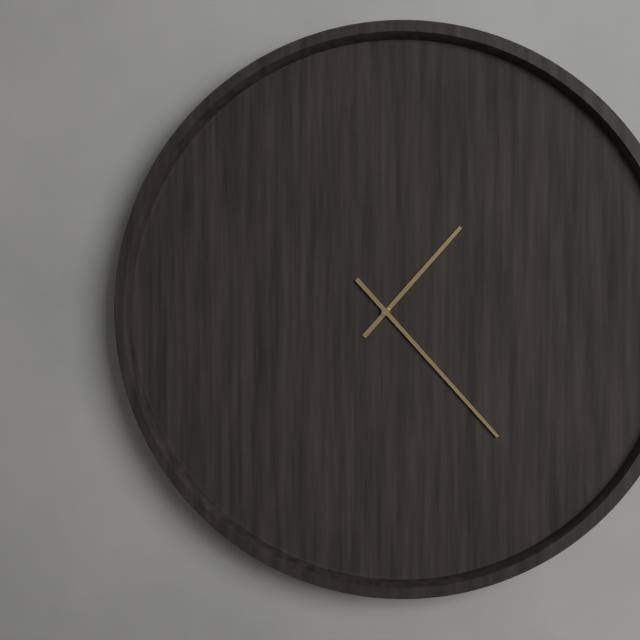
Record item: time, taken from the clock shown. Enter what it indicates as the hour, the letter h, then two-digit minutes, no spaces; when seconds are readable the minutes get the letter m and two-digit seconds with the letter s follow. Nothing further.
1h23
